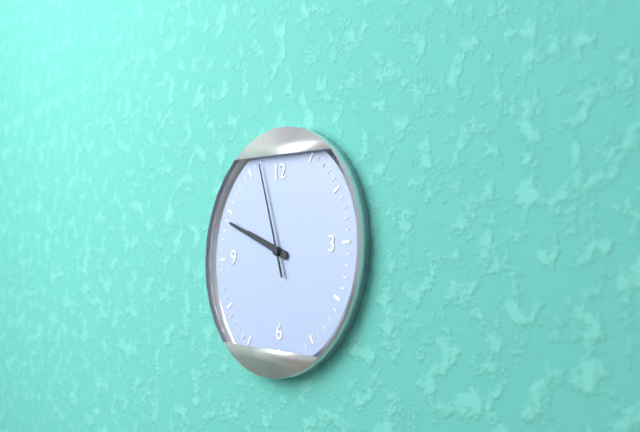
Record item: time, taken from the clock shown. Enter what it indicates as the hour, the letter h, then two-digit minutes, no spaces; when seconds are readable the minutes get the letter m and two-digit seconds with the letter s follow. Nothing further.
9h49m57s
